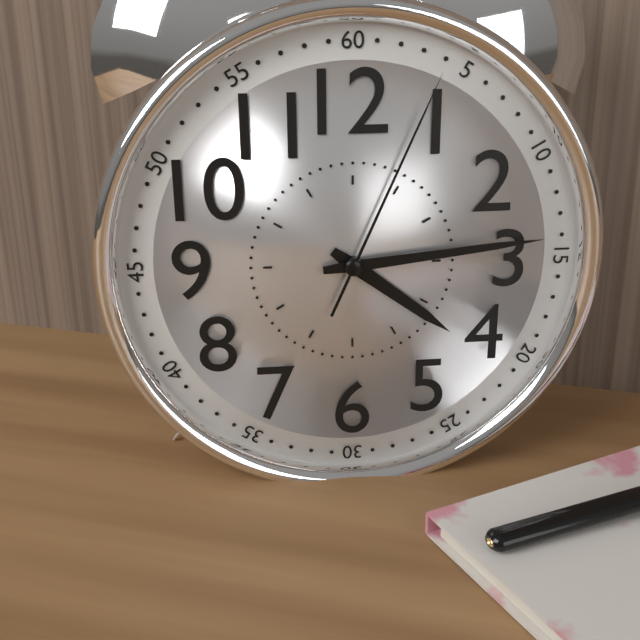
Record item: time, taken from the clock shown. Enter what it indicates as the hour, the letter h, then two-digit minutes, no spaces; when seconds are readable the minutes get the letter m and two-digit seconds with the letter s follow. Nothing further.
4h14m04s
